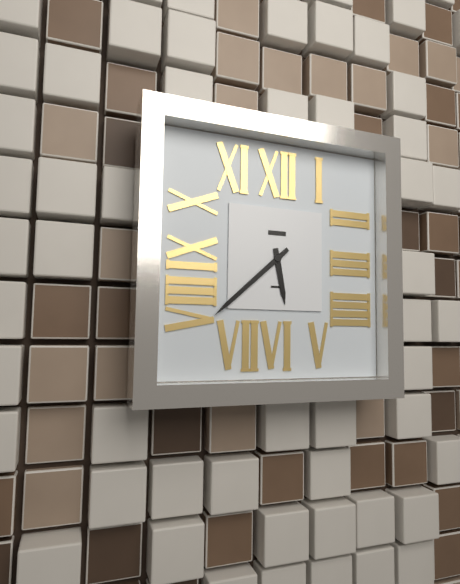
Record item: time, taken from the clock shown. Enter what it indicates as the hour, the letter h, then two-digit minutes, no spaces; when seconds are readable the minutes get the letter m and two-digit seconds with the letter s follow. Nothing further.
5h38
